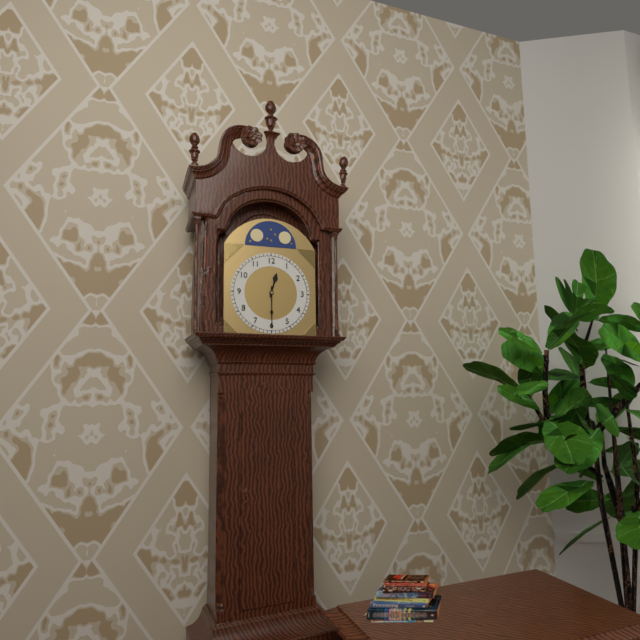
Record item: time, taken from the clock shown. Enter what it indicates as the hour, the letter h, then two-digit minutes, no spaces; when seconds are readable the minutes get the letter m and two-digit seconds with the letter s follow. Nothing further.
12h30
